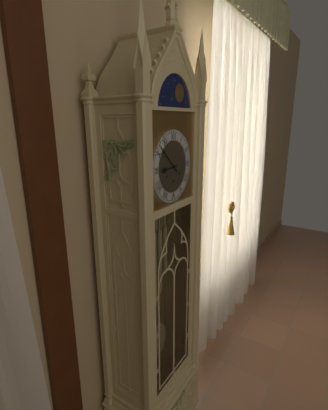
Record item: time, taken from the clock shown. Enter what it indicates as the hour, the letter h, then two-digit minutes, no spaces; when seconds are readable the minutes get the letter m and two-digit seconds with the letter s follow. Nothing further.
8h52
